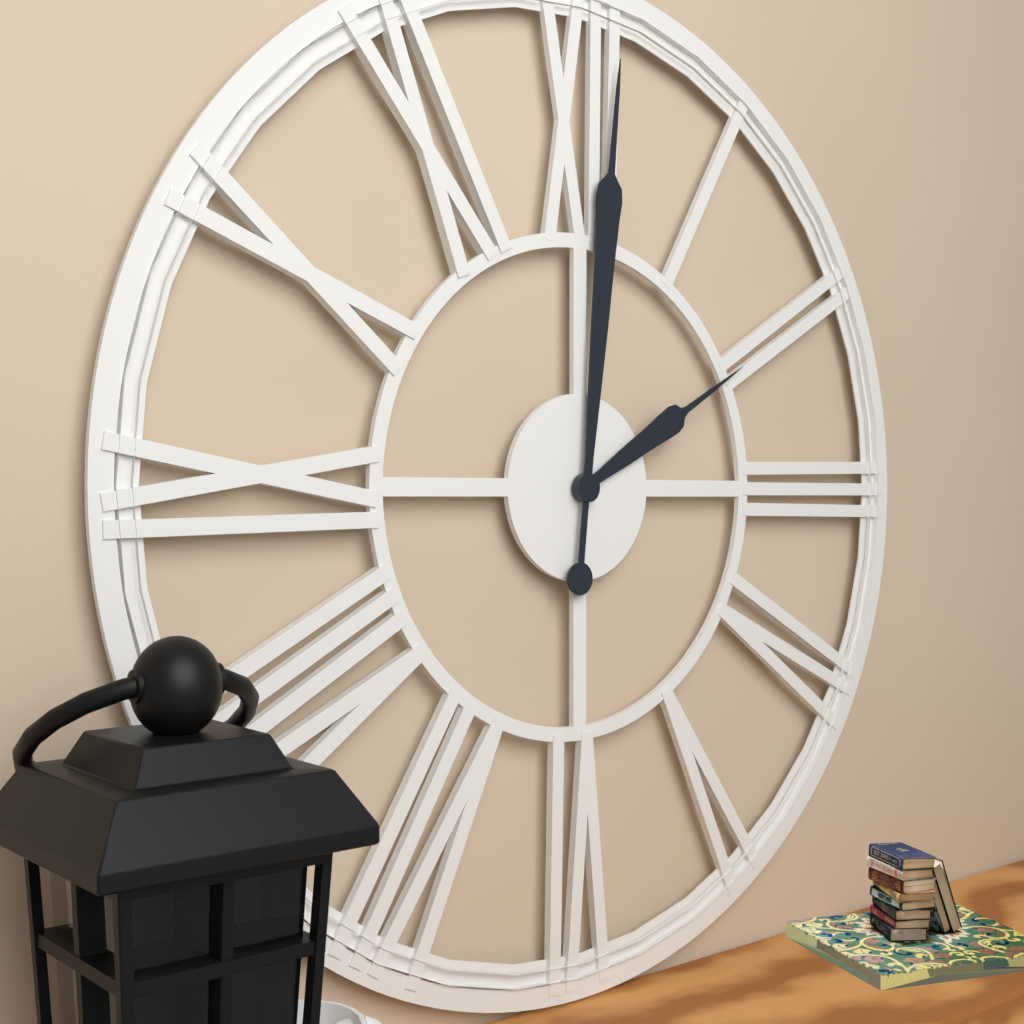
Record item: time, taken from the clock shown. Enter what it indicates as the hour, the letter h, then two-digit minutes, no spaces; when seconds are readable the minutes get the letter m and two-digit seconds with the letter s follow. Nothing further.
2h01
